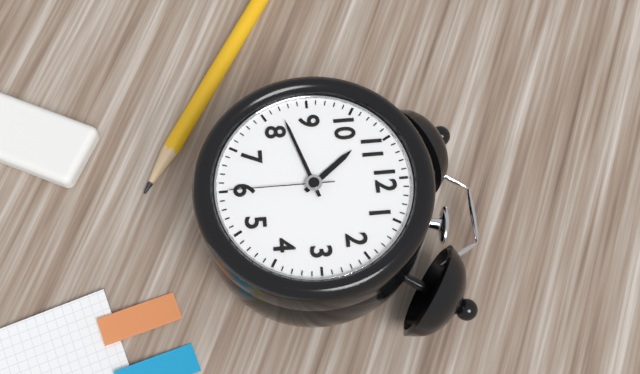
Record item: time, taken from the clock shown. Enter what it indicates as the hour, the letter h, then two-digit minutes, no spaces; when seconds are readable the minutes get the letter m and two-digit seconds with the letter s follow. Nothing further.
10h42m30s
